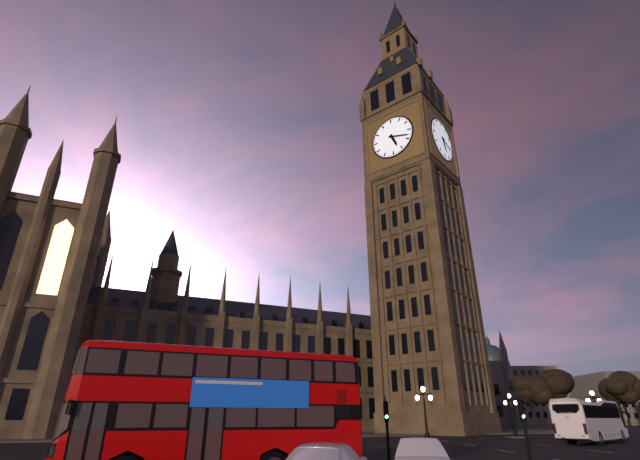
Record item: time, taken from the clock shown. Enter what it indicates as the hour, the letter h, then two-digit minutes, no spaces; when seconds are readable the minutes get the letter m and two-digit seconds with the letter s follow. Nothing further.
5h18
